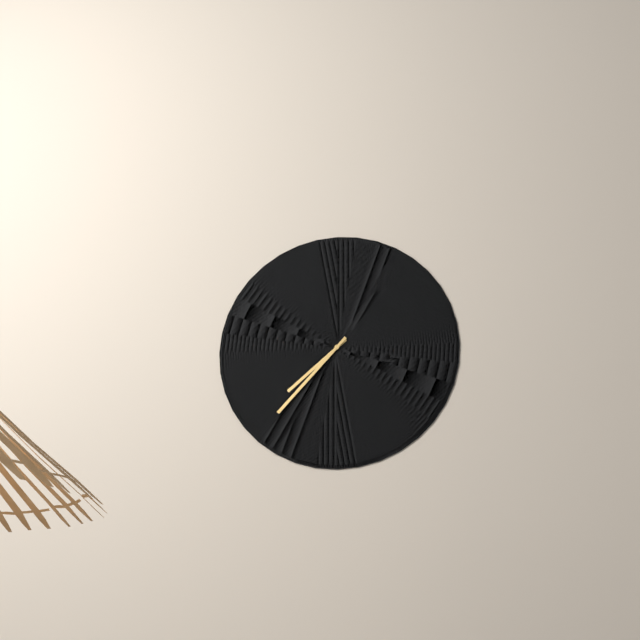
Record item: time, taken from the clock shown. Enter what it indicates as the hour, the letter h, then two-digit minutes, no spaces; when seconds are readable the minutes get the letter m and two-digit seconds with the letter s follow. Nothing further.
7h37
